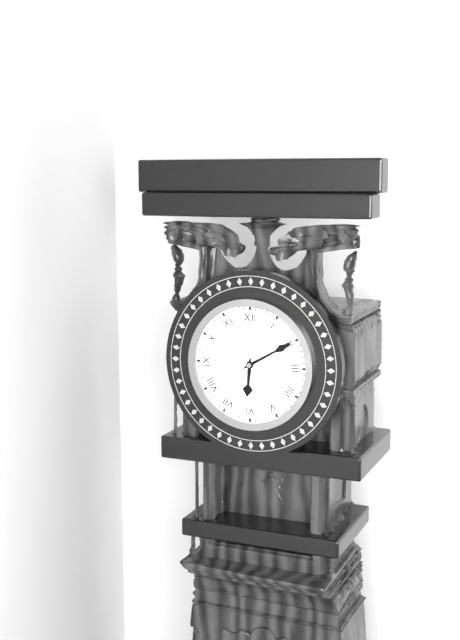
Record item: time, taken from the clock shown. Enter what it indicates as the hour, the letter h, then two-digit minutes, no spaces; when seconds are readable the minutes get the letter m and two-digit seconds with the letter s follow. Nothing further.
6h10
